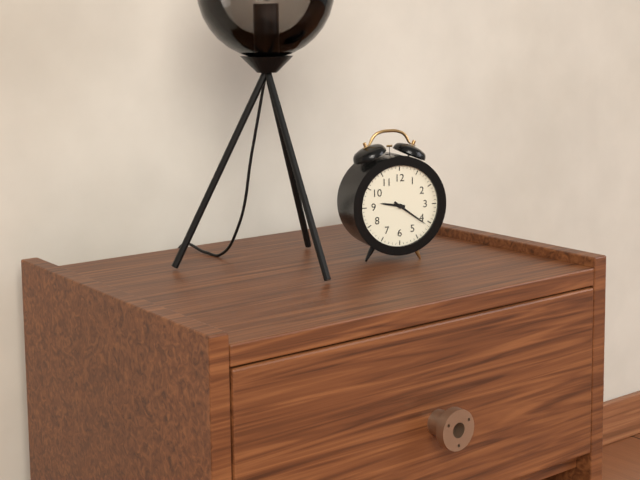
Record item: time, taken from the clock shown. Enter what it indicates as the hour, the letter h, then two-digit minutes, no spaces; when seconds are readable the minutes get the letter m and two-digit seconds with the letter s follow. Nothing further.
9h21
